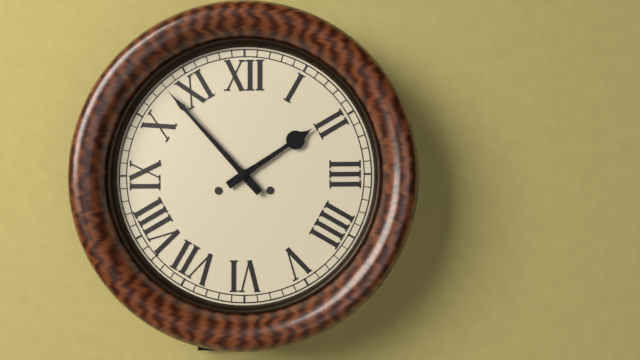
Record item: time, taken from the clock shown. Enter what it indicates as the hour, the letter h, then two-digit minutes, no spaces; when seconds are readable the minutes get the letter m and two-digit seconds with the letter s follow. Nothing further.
1h53
